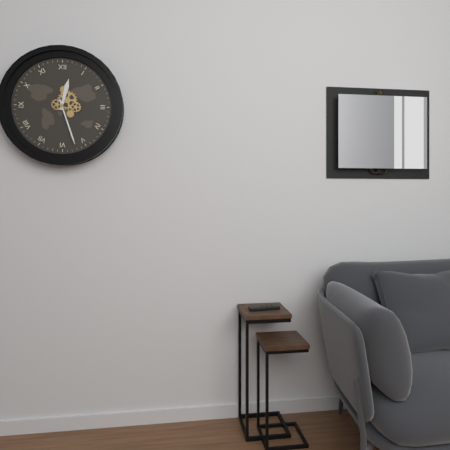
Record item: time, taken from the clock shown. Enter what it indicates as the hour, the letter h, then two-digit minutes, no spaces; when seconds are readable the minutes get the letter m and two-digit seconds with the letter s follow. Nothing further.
12h27
